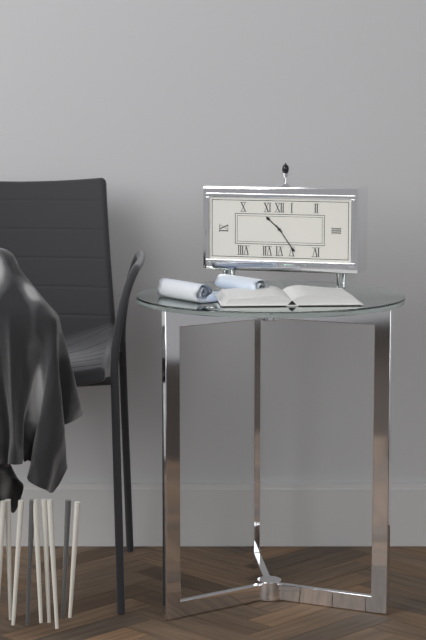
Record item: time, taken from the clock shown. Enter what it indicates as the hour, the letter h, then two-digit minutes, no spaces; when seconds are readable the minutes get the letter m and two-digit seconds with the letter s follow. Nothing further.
10h24
